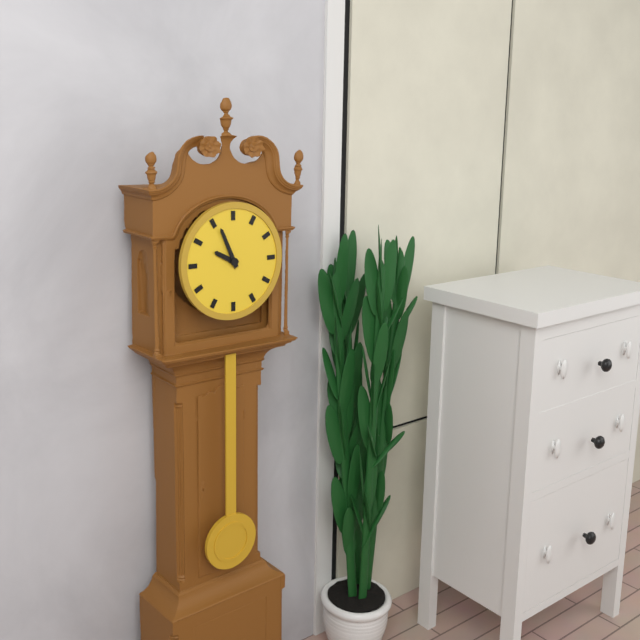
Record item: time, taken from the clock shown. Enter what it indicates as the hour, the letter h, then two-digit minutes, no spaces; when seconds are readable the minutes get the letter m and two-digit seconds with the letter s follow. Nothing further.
9h56
